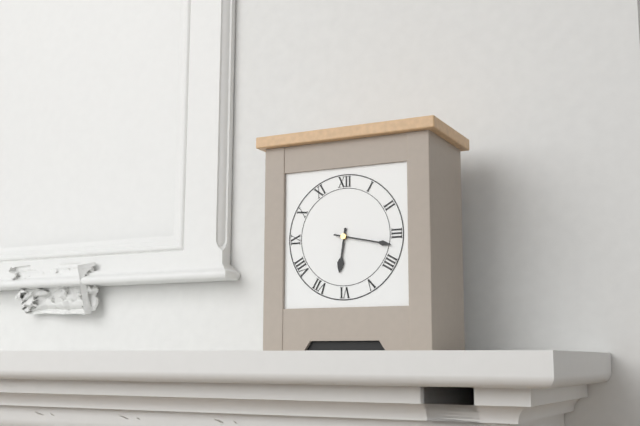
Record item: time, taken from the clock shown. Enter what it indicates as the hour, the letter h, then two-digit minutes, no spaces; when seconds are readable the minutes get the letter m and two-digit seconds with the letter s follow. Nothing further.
6h17
